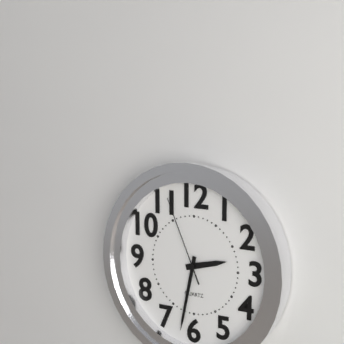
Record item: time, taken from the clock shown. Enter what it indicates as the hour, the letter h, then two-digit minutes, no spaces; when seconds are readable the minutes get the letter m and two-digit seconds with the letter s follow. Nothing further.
2h32m56s
